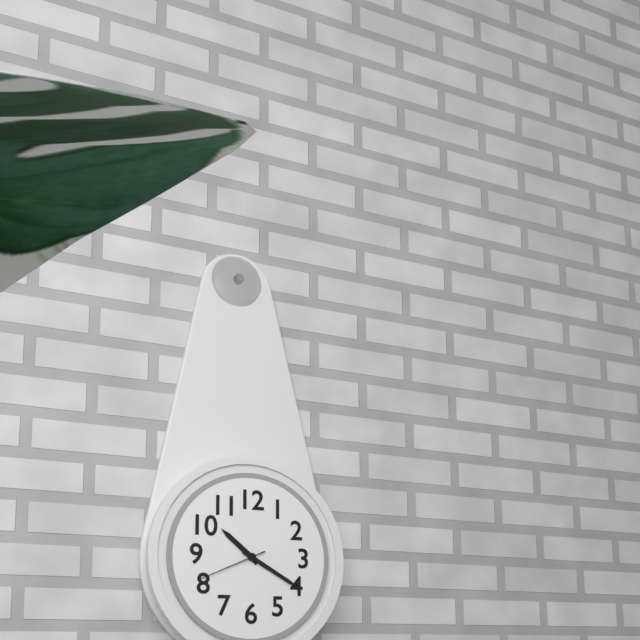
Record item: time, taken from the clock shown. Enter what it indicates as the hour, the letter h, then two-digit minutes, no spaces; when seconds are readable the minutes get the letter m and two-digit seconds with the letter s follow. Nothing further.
10h20m41s
